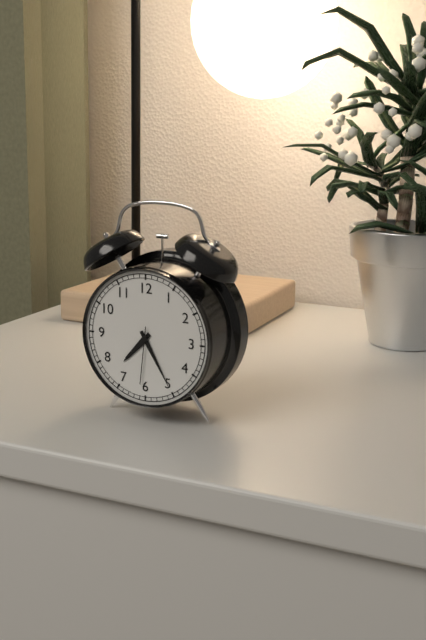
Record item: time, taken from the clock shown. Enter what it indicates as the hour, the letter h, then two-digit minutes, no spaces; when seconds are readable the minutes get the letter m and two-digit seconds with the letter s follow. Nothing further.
7h25m31s
